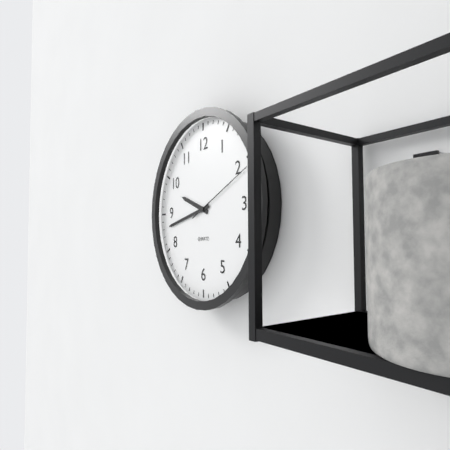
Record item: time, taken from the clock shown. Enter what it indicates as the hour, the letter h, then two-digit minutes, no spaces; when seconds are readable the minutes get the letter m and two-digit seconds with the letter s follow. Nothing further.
9h43m11s
